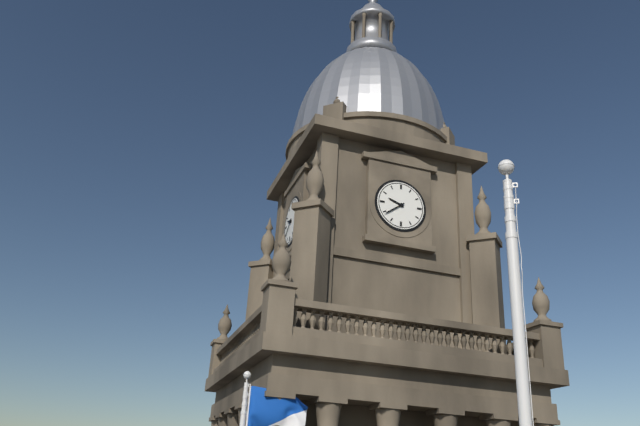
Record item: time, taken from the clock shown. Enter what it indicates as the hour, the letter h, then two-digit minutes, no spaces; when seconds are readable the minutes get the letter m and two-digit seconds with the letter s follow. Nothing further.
9h39
